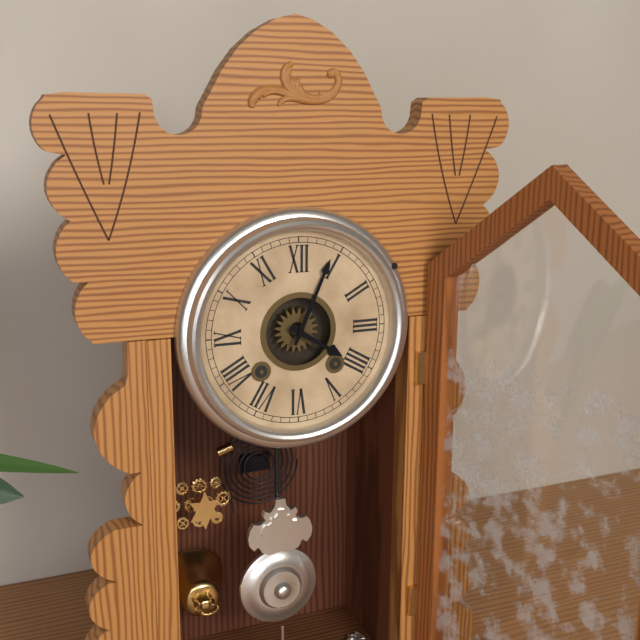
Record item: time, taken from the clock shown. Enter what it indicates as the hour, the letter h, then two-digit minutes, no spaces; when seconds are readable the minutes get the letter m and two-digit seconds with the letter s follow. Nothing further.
4h04
